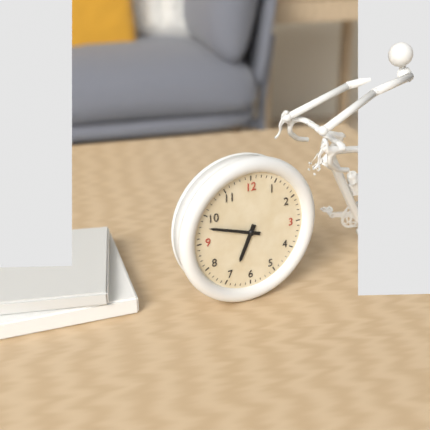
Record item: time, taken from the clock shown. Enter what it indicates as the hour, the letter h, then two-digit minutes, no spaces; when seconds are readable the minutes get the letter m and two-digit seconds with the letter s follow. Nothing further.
6h48
